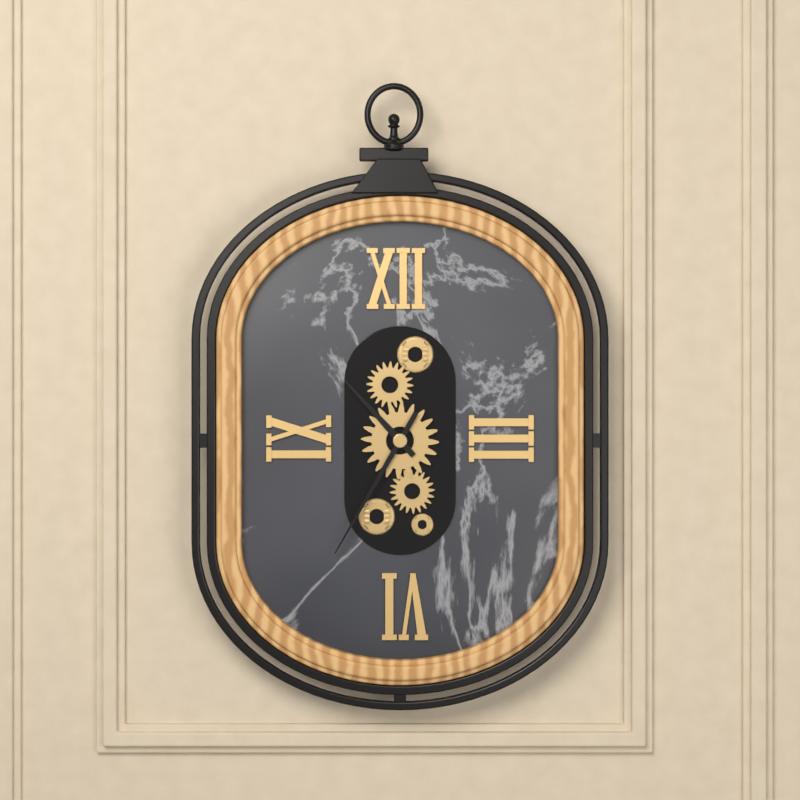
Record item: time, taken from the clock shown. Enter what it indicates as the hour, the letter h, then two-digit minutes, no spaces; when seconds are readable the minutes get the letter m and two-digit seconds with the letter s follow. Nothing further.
10h35
